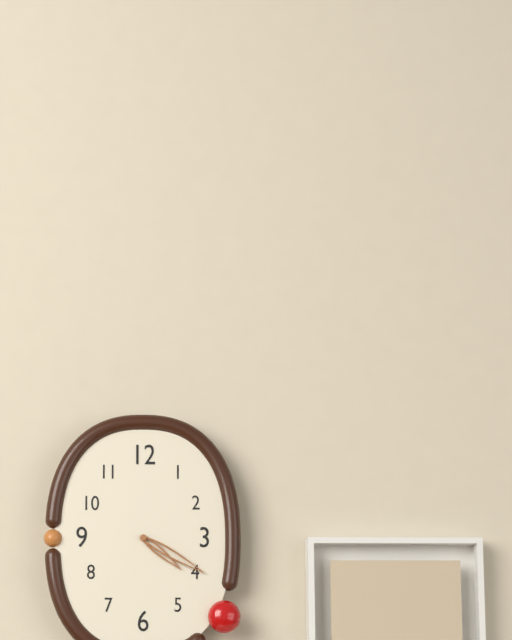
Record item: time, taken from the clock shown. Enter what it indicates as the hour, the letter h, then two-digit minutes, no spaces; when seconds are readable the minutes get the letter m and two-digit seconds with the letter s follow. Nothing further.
4h20
